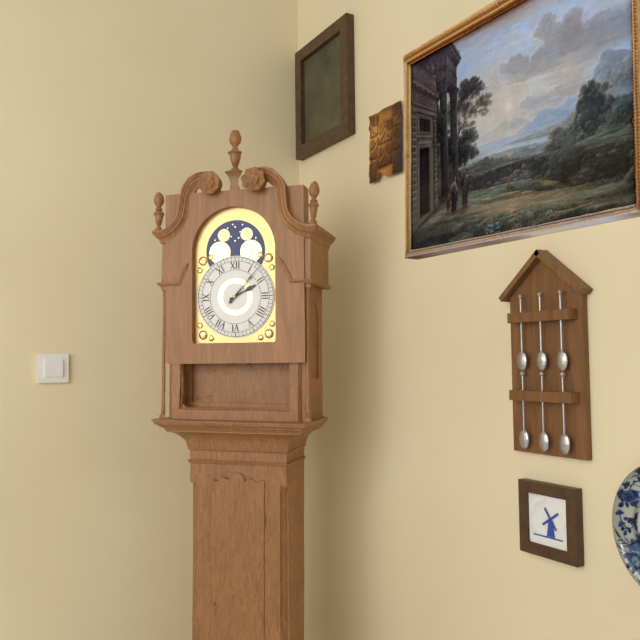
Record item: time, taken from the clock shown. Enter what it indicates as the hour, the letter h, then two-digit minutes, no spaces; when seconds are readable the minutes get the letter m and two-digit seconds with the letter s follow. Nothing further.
2h07
